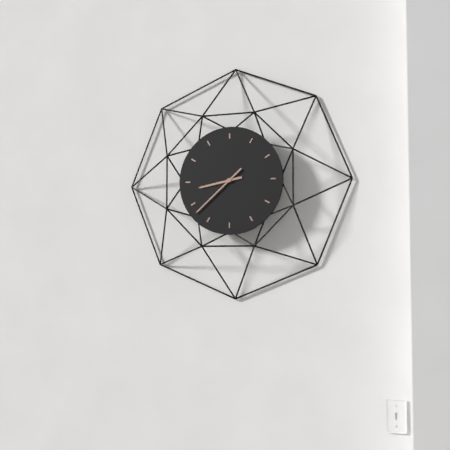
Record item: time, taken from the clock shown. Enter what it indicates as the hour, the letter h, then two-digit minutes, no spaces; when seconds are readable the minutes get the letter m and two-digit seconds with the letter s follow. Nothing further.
8h38
